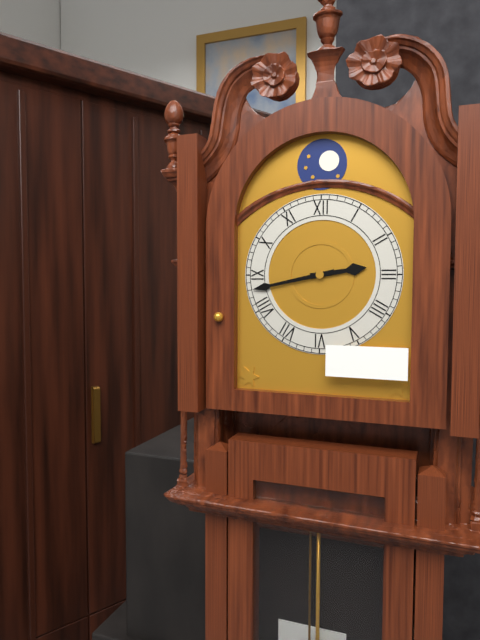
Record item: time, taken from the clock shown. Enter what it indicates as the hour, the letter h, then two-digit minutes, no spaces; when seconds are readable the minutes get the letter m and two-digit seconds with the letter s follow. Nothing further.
2h43
